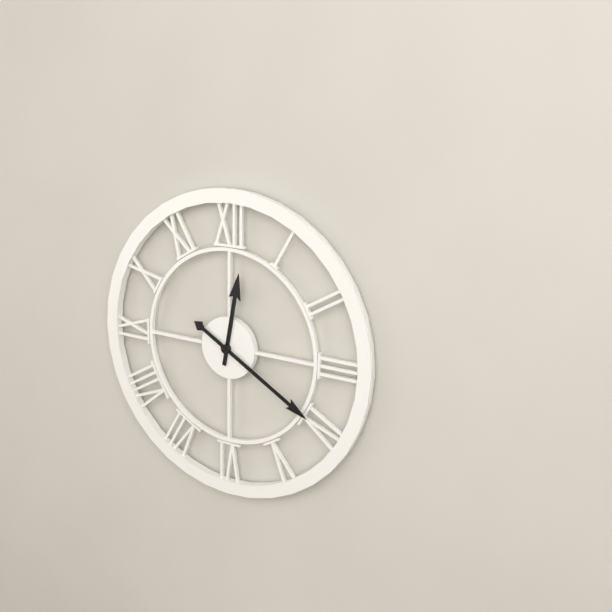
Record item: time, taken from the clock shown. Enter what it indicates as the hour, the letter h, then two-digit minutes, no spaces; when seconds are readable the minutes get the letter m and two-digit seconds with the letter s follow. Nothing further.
12h20
